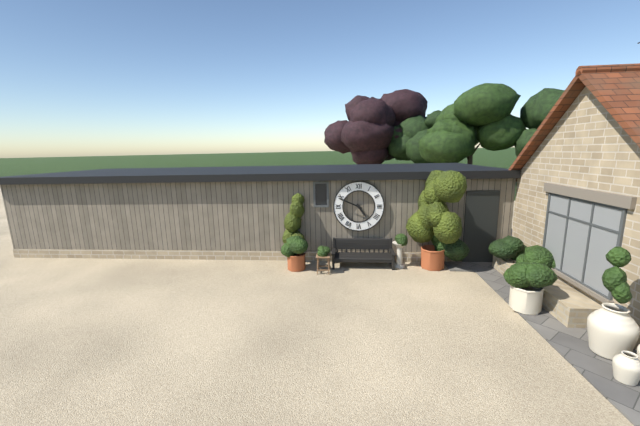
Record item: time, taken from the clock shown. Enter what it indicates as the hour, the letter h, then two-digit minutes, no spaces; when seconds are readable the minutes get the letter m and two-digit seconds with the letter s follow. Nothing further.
4h49
